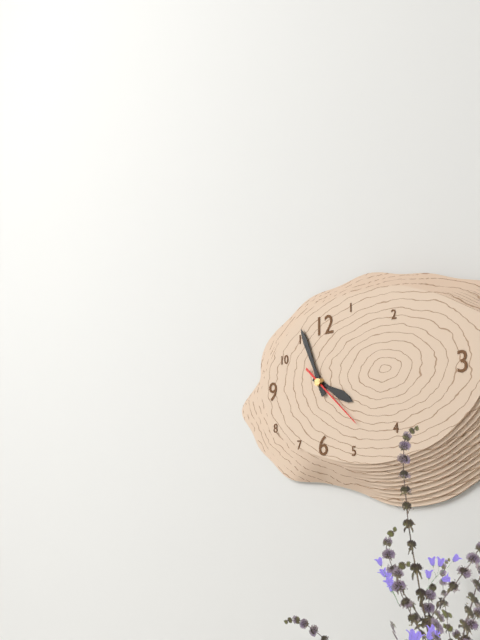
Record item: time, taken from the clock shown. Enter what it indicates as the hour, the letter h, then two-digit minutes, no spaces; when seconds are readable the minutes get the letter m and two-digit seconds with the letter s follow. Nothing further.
3h56m22s
